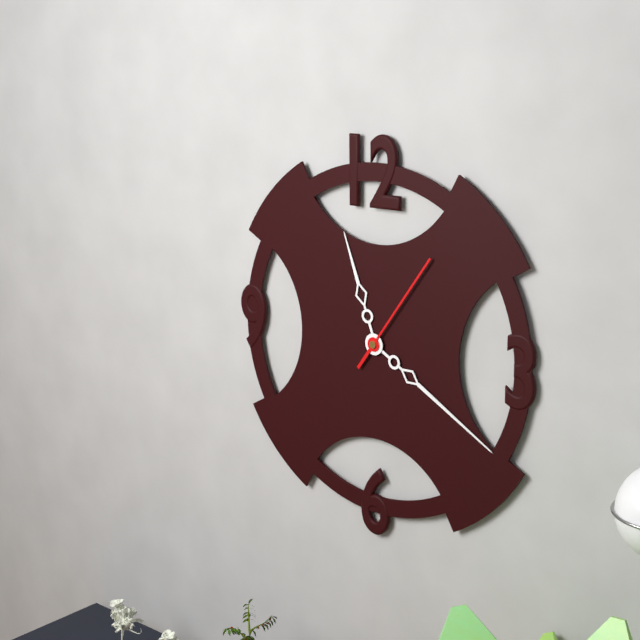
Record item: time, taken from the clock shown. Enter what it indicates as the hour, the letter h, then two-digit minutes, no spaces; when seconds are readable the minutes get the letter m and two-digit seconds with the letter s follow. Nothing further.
11h20m06s
